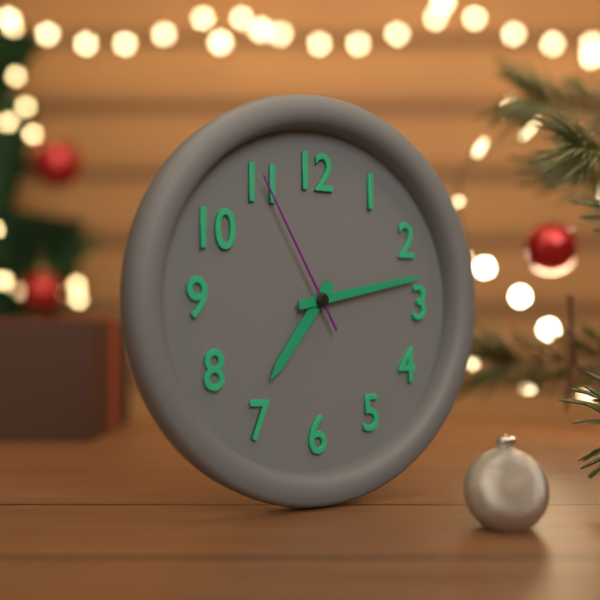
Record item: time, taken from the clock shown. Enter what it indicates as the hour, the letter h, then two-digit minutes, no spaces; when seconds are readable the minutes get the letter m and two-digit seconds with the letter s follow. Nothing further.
7h13m55s
